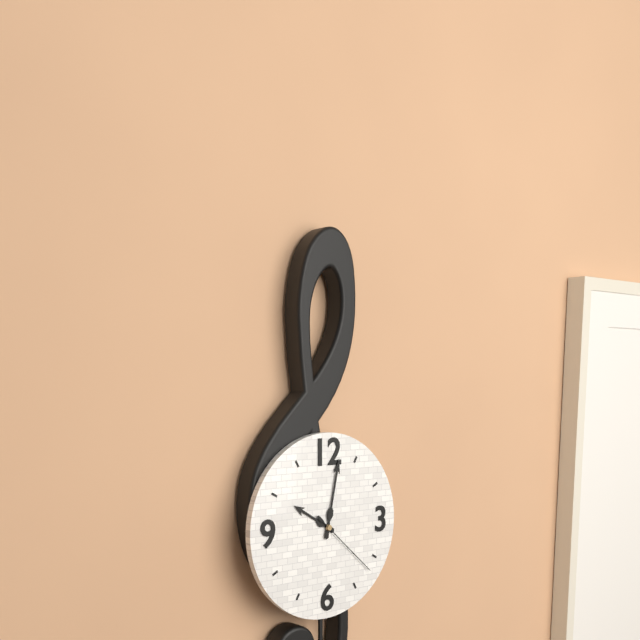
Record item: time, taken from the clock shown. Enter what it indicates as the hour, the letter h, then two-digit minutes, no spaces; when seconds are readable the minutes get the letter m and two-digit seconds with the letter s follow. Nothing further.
10h02m22s
